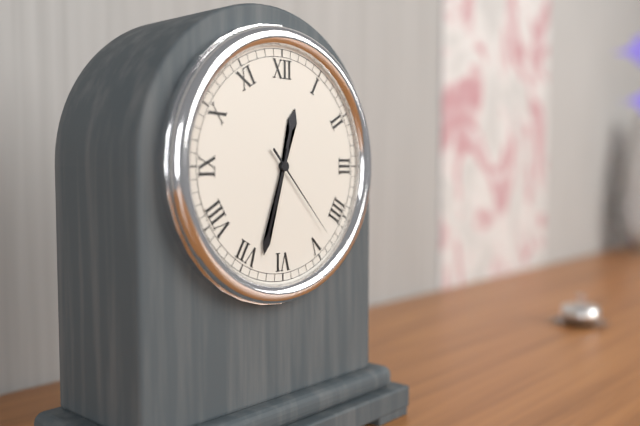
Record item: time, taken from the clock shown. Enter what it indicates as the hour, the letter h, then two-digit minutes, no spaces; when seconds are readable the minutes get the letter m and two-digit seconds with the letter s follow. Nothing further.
12h33m23s
